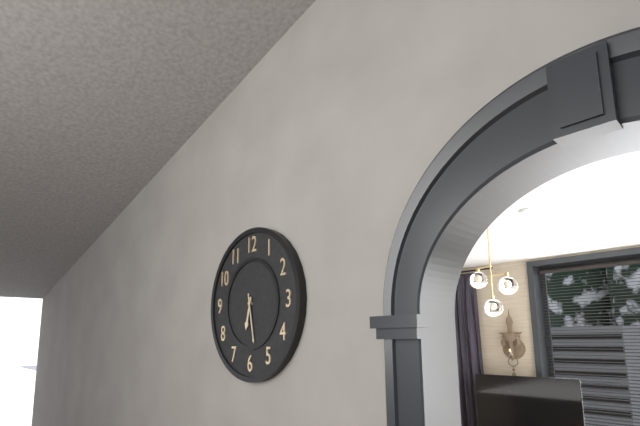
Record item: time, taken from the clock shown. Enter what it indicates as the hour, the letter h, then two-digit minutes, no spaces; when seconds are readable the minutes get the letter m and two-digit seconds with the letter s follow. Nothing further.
6h28
